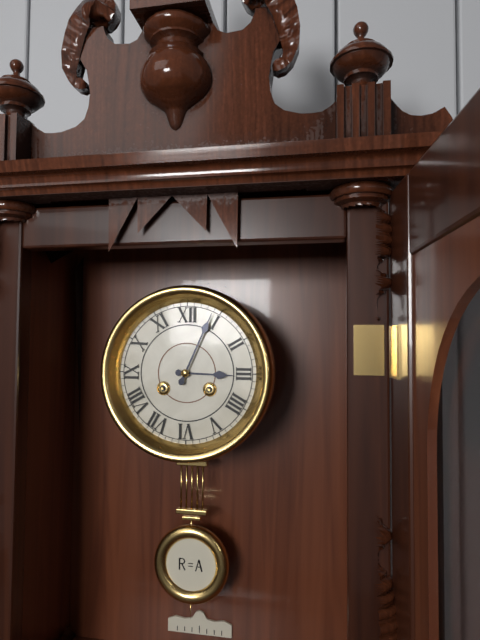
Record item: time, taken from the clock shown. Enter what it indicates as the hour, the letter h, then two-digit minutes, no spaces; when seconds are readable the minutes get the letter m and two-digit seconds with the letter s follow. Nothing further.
3h04
